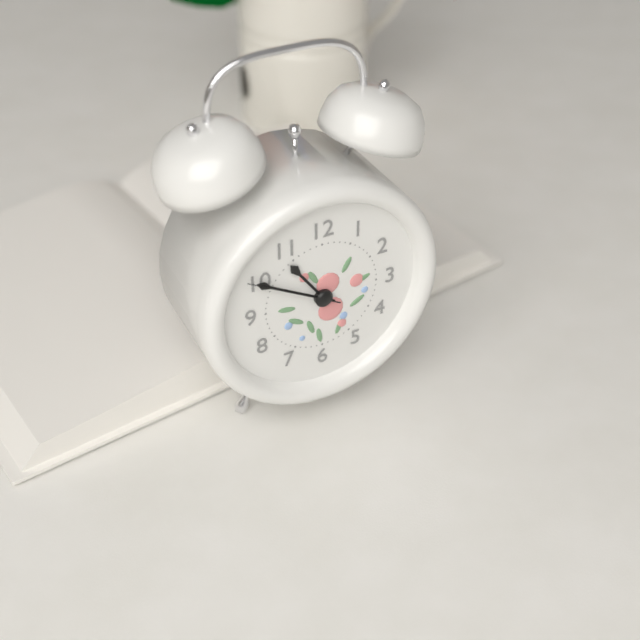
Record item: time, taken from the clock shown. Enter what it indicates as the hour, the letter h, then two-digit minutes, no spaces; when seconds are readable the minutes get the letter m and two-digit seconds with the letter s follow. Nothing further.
10h50m50s
